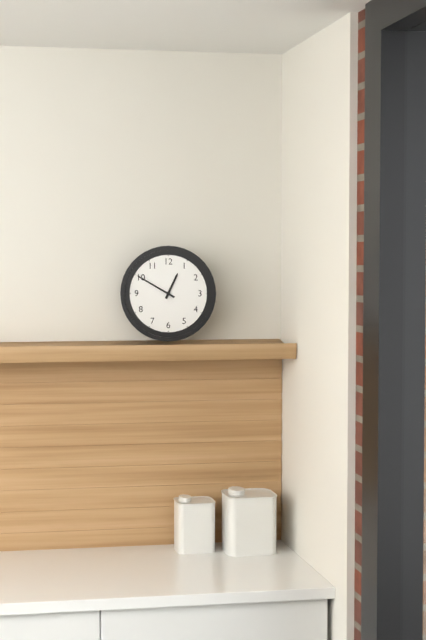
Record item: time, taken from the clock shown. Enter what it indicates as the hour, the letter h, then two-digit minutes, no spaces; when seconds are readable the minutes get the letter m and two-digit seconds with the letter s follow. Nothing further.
12h50
